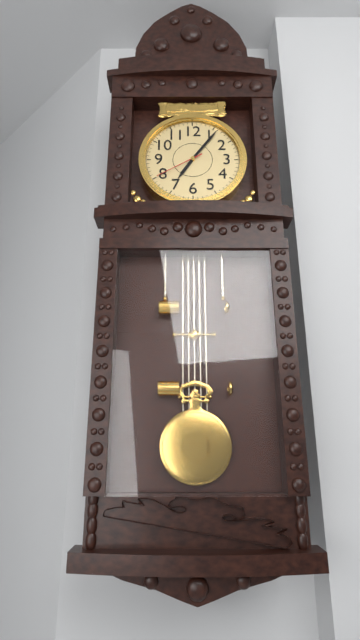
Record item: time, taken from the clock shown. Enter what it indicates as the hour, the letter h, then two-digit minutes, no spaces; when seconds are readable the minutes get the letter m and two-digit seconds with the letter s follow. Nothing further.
7h06
